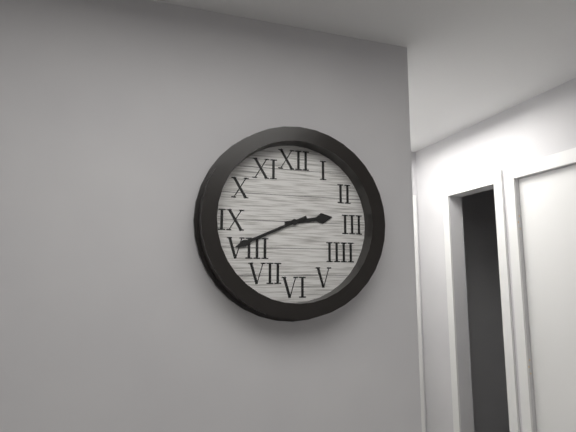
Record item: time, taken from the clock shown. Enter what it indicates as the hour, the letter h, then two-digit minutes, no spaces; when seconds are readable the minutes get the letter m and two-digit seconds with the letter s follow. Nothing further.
2h41
